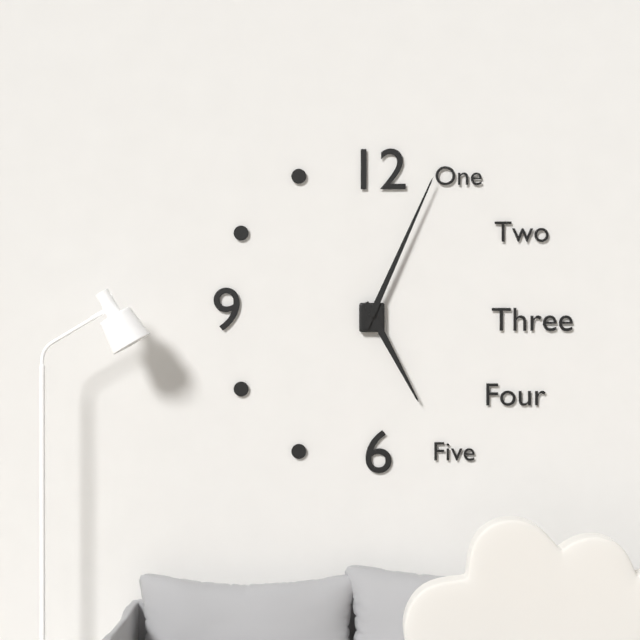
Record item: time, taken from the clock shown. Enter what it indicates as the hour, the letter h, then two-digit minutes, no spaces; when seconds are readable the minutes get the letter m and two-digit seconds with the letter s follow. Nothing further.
5h04
